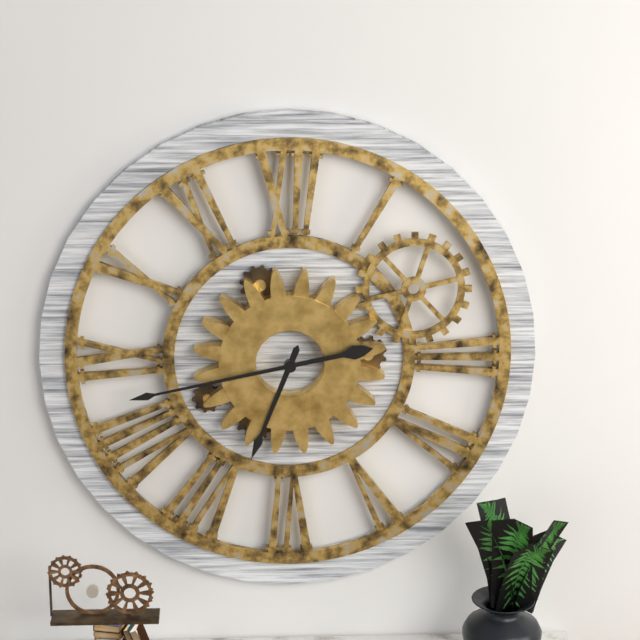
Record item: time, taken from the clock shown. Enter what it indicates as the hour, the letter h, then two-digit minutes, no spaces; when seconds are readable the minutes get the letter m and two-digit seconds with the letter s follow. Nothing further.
6h43
